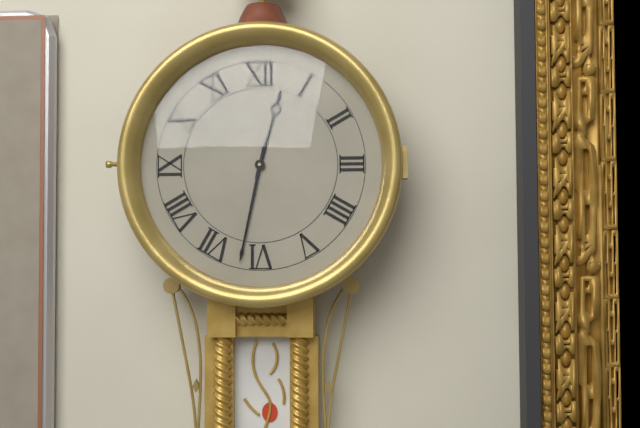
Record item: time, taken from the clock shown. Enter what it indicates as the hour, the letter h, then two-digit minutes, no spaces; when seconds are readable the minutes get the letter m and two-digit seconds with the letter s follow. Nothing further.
12h32
